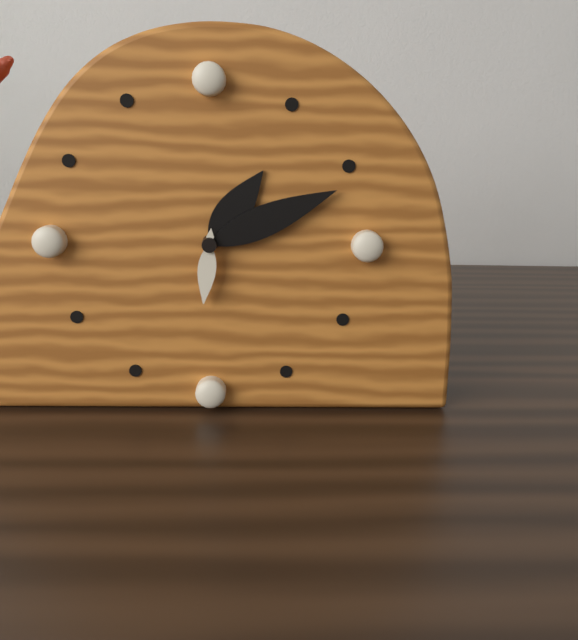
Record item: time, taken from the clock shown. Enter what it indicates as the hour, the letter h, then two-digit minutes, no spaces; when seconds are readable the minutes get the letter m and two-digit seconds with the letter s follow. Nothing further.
1h11m31s
